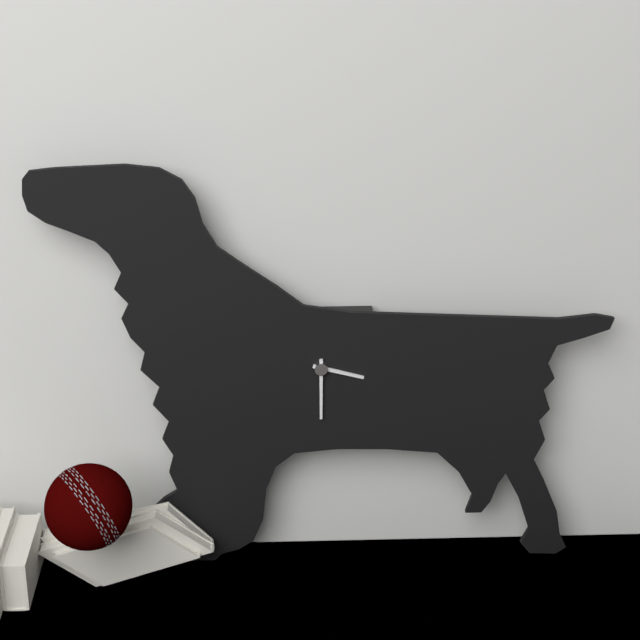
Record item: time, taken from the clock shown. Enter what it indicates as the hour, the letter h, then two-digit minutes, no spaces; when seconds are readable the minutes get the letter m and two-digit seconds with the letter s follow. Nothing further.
3h30
